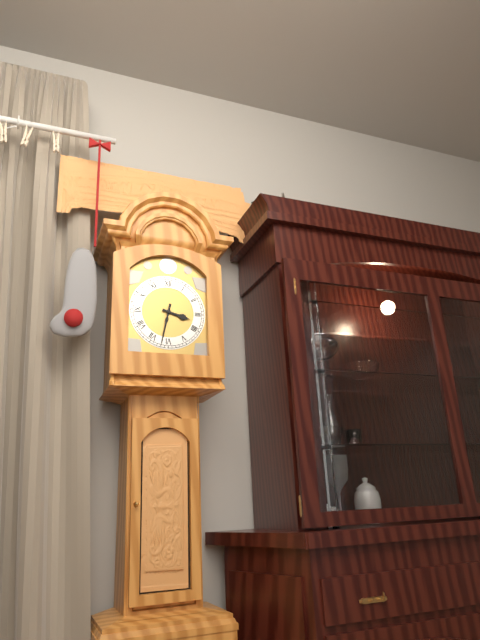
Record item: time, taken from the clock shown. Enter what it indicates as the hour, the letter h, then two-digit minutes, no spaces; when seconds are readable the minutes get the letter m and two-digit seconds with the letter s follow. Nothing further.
3h32
